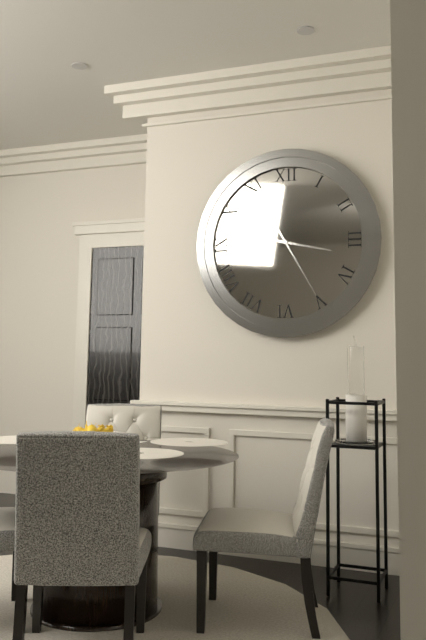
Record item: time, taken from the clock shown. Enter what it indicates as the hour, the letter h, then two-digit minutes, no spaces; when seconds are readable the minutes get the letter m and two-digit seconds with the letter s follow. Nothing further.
3h25
